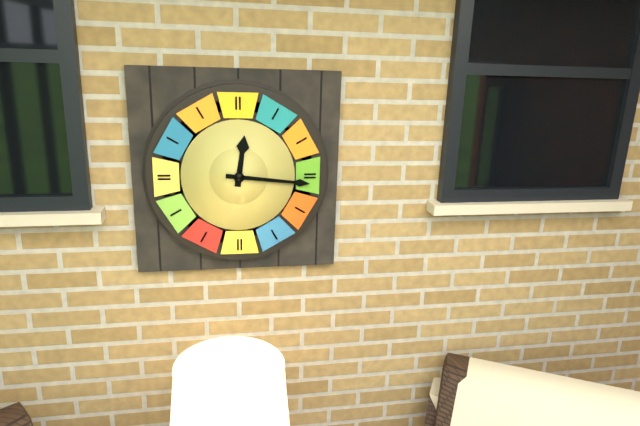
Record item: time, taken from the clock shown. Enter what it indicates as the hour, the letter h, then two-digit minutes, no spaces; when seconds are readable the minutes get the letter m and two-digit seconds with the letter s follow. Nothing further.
12h16
